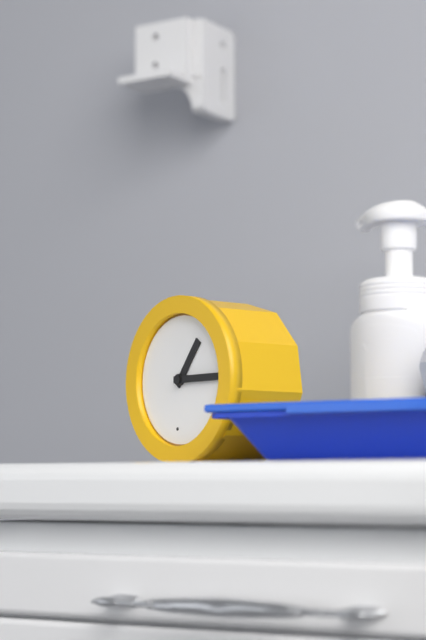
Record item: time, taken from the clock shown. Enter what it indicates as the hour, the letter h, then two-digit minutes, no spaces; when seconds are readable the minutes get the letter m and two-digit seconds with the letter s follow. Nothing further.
1h15
